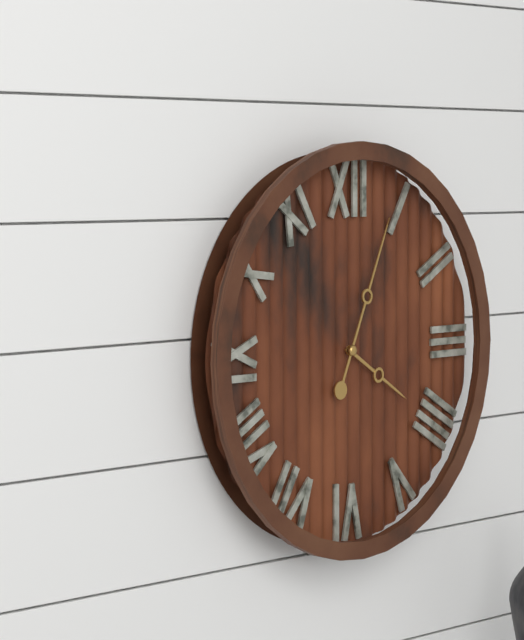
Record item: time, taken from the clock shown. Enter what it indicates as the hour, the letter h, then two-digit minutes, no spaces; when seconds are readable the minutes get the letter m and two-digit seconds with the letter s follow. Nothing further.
4h04
